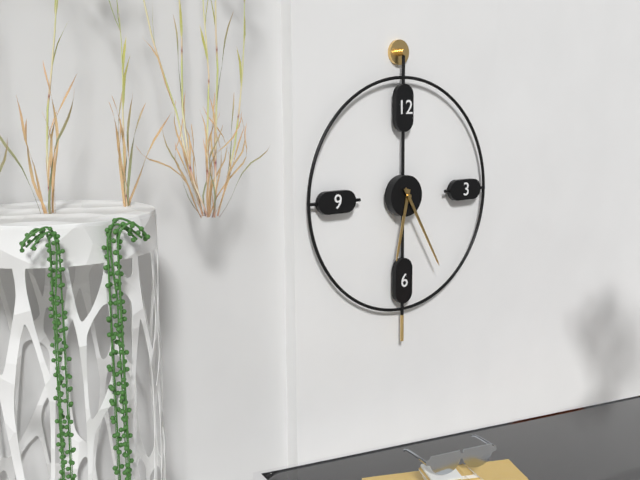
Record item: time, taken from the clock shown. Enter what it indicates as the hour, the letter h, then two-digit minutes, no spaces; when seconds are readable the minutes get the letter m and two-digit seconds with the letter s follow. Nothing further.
6h25
